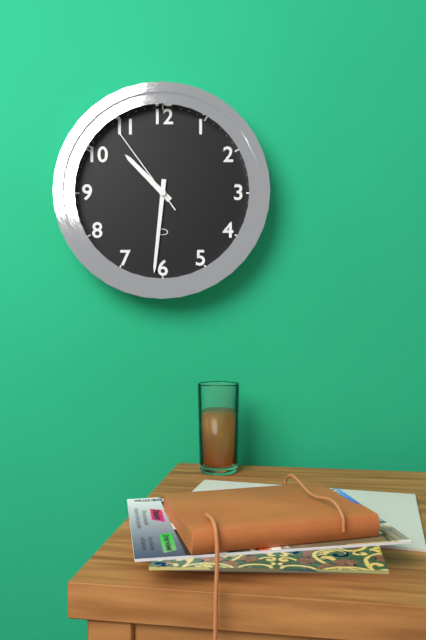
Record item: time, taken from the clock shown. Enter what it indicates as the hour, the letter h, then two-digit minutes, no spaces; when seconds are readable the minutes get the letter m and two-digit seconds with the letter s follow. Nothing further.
10h31m54s
